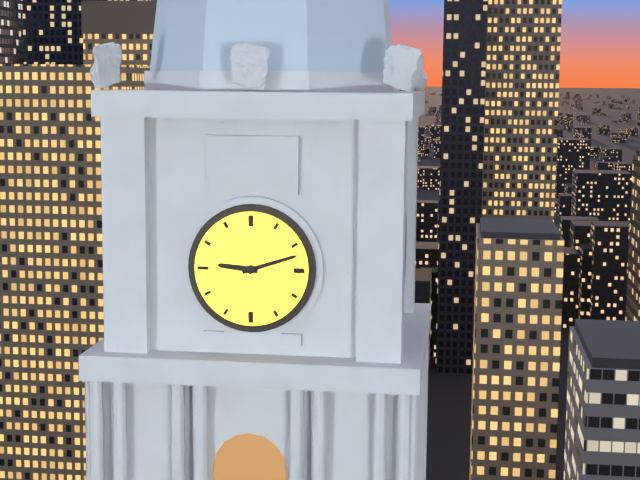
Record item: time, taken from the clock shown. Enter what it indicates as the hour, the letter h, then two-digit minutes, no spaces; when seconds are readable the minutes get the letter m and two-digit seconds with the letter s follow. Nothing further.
9h12
